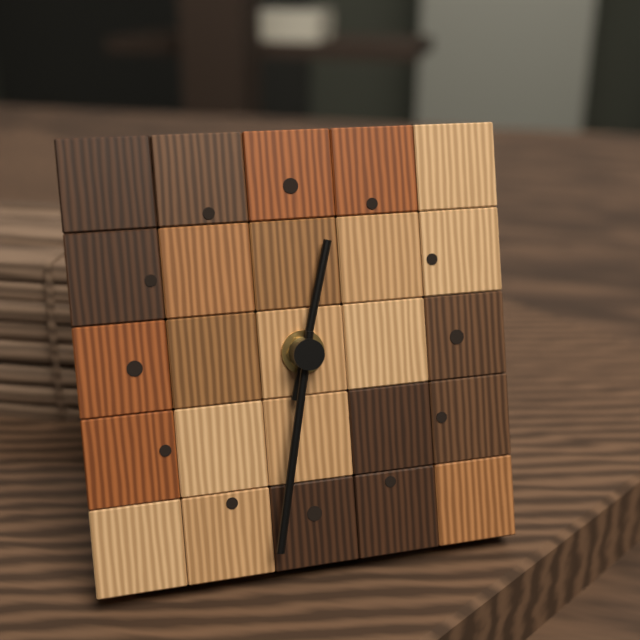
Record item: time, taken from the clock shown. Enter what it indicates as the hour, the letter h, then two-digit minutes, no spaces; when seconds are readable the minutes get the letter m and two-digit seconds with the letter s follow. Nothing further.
12h32
